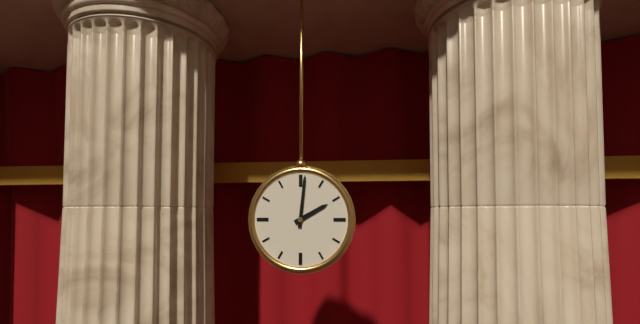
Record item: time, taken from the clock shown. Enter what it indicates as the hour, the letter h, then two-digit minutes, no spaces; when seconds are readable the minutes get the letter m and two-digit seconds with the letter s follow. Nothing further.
2h01
